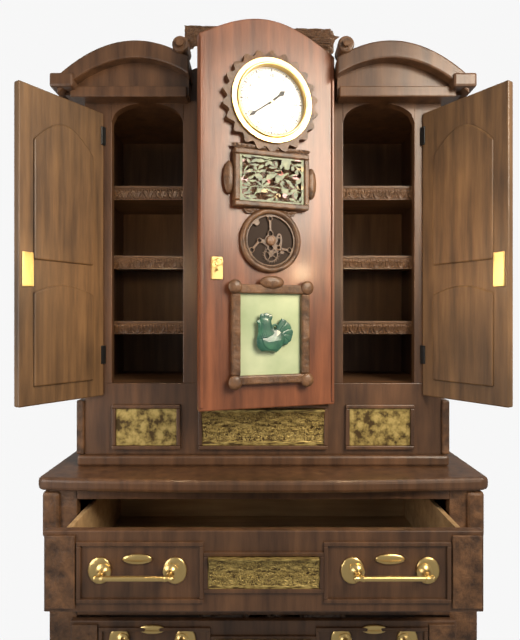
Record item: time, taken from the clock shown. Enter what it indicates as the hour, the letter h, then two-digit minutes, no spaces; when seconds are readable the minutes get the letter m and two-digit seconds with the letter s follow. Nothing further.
1h39
